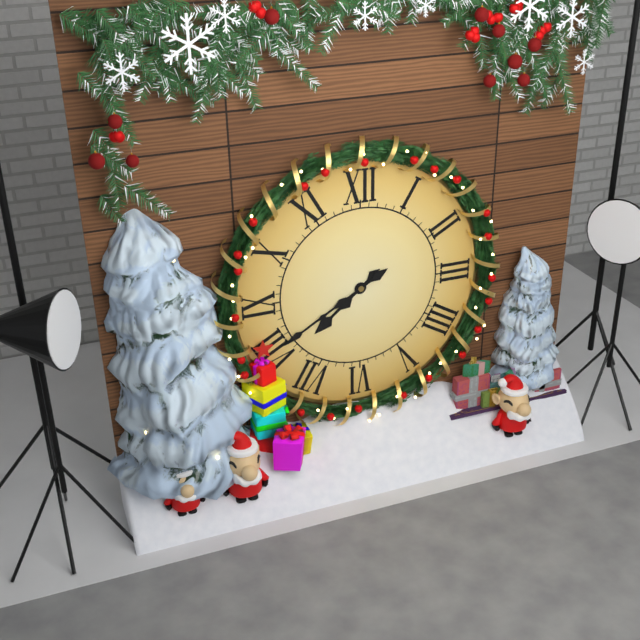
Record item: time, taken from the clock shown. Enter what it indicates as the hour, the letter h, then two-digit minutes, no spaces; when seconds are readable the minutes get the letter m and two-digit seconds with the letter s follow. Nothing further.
7h40
